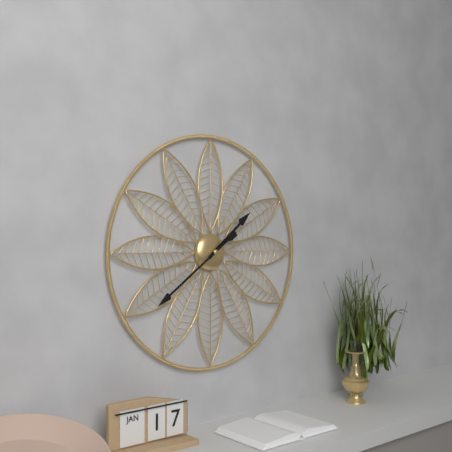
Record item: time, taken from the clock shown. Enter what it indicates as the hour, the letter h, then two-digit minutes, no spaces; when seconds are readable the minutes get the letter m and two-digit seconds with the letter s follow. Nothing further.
1h39
